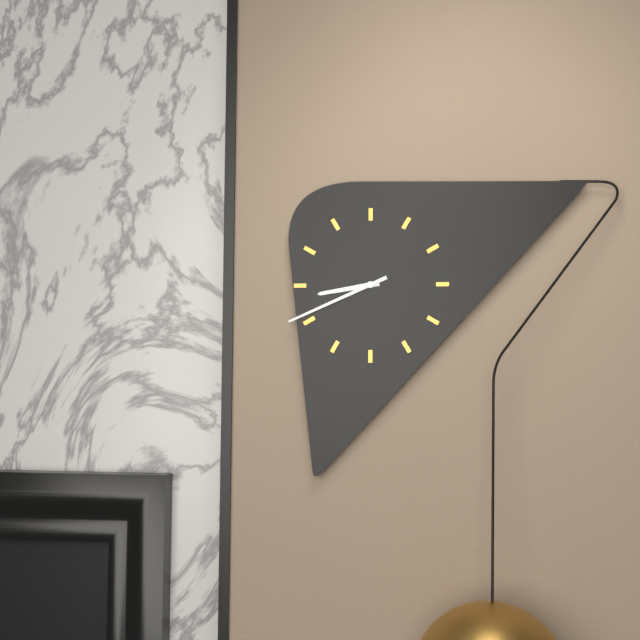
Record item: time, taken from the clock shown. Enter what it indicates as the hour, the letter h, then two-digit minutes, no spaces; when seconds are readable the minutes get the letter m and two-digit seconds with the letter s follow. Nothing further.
8h41
